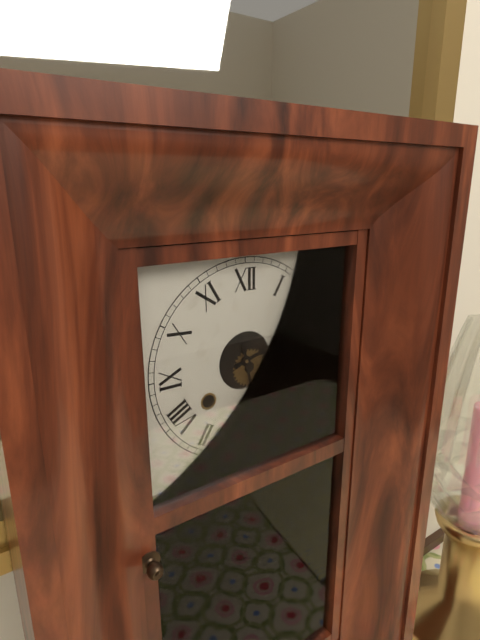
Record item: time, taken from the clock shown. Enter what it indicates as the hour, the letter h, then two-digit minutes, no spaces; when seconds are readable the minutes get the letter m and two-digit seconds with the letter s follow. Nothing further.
2h28
